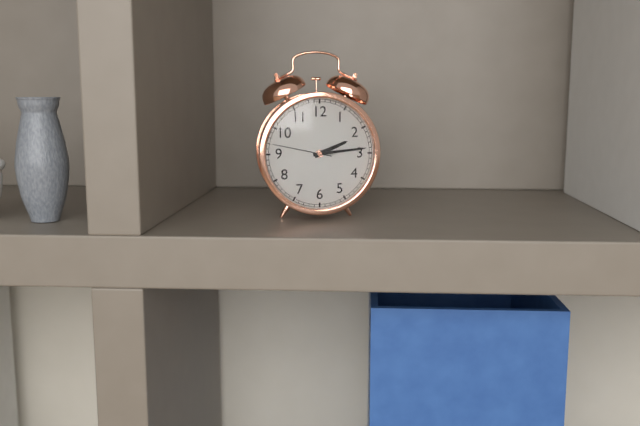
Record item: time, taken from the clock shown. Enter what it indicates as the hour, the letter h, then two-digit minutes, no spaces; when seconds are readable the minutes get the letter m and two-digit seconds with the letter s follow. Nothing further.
2h14m47s
